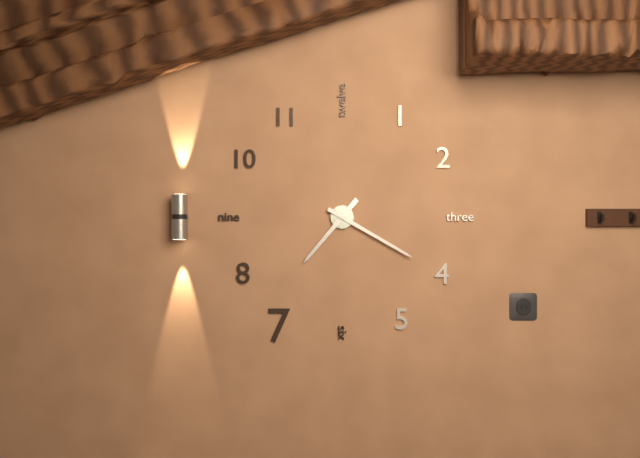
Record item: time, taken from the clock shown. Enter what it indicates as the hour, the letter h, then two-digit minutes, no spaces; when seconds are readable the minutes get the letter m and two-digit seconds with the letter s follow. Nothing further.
7h20
